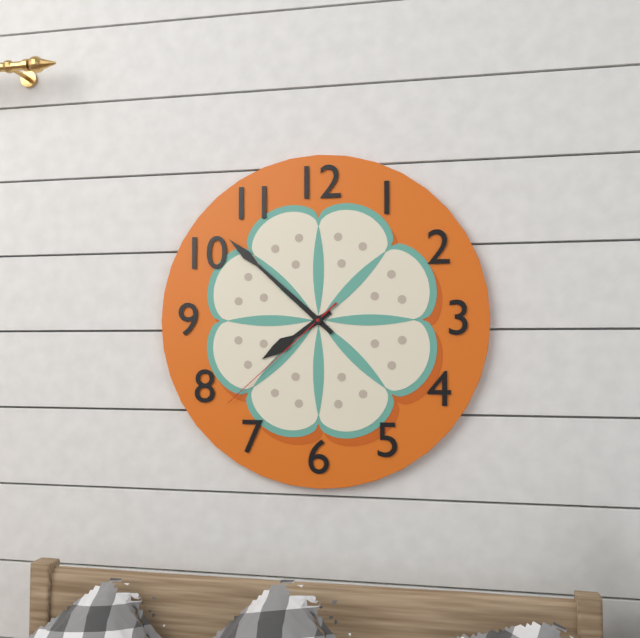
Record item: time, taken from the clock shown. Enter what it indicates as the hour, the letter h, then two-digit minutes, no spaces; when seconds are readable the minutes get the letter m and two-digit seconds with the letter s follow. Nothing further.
7h52m38s
